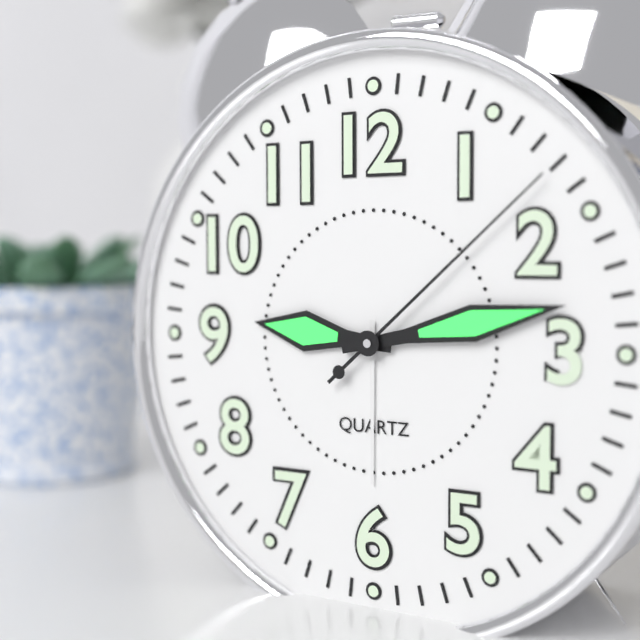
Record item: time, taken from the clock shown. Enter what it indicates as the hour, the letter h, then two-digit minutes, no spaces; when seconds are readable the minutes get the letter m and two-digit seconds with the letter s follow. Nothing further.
9h13m08s
